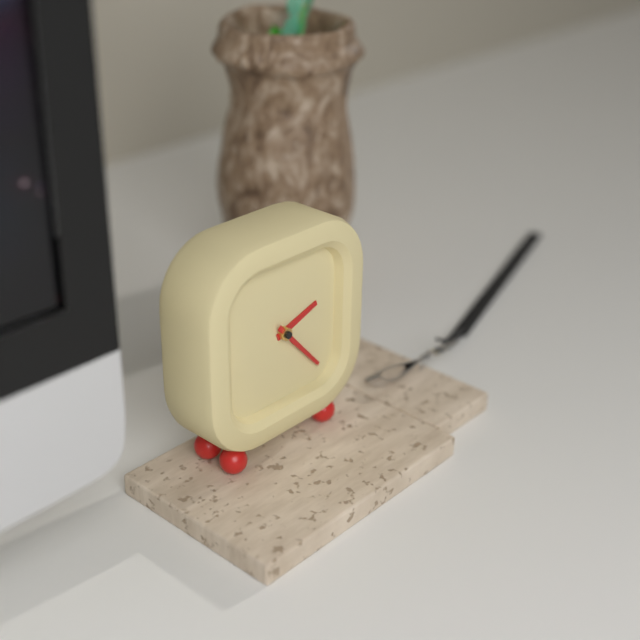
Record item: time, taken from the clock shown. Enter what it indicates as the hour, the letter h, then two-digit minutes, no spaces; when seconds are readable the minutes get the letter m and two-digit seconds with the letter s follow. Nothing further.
2h23
